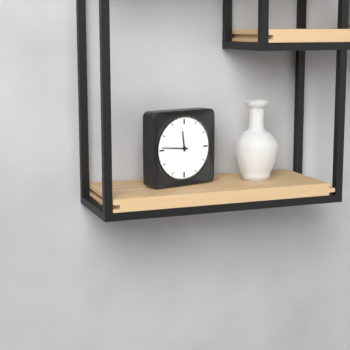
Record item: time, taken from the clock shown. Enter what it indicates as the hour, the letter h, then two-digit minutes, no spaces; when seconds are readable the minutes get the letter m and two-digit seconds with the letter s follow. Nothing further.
11h46
